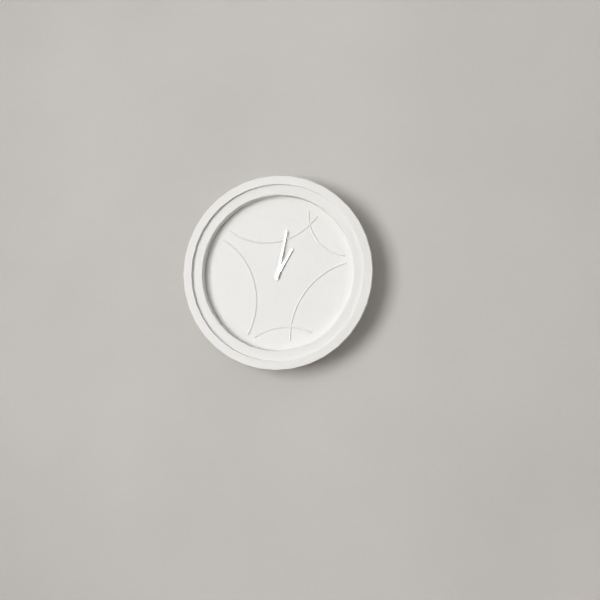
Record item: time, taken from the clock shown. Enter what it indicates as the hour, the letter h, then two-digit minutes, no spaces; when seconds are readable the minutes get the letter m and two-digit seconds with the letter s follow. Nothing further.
1h02
